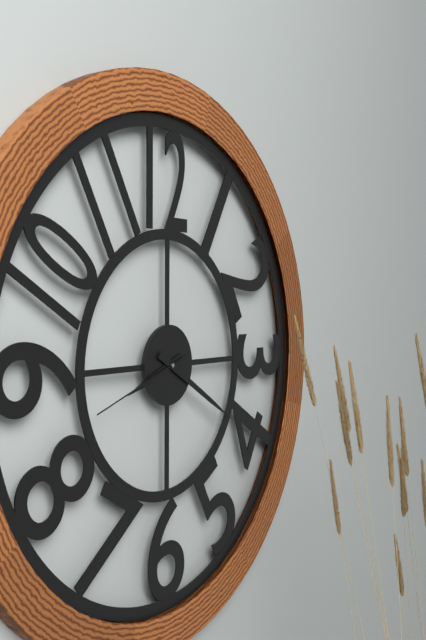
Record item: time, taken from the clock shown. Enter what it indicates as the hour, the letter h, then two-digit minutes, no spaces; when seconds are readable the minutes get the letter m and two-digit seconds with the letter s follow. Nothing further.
8h20m42s
